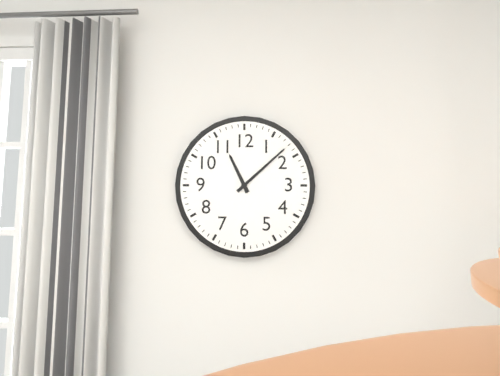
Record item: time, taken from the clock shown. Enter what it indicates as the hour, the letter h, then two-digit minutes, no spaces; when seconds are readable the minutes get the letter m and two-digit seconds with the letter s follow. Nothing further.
11h08
